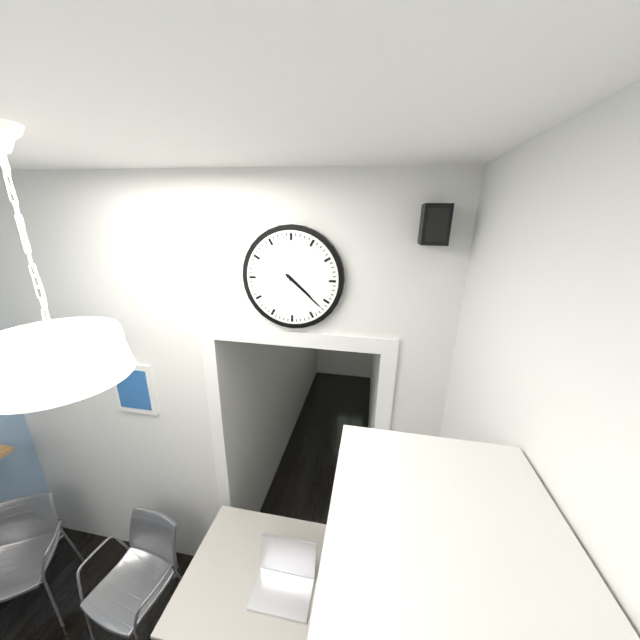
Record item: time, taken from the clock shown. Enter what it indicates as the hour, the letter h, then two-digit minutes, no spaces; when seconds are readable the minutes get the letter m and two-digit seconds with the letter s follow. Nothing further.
4h22
